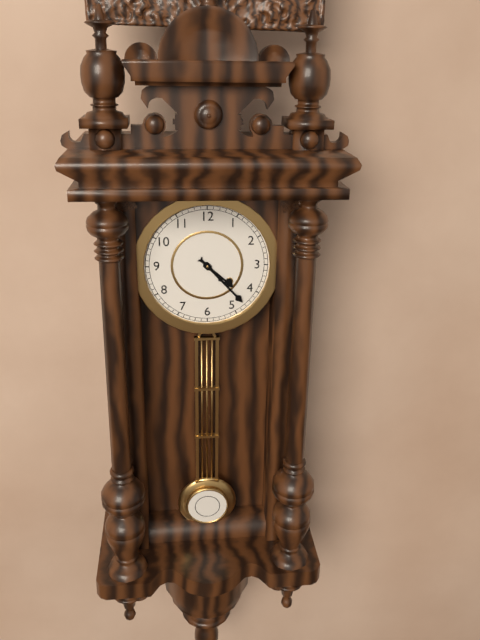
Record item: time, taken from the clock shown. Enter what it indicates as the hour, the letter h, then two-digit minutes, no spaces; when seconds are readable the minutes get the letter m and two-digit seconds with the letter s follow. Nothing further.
4h23
